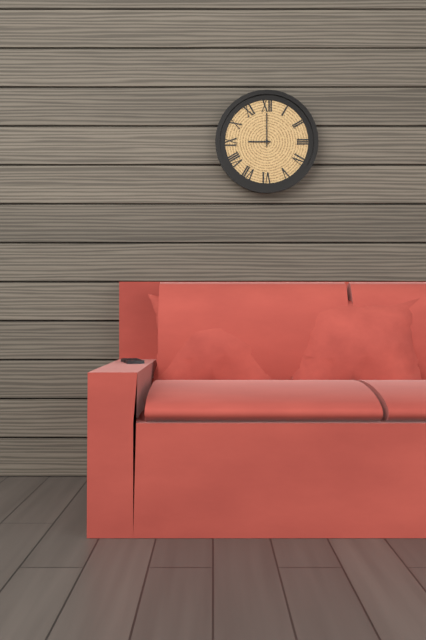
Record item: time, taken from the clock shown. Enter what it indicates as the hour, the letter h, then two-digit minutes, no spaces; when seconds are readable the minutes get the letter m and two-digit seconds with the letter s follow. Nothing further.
9h00
